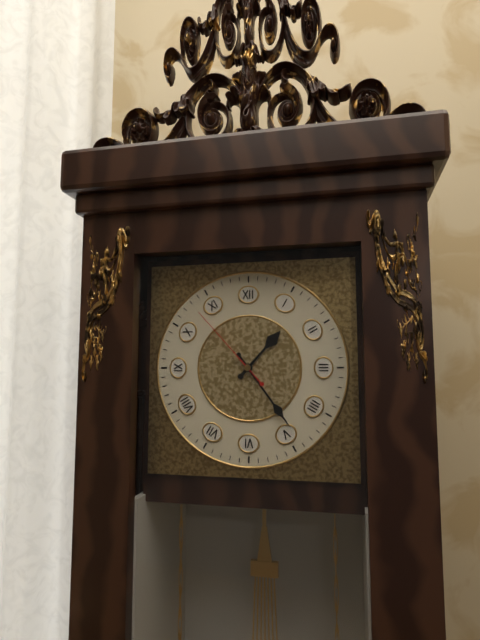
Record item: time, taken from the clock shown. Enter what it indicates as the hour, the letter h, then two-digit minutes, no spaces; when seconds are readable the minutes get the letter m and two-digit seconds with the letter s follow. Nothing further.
1h24m53s
